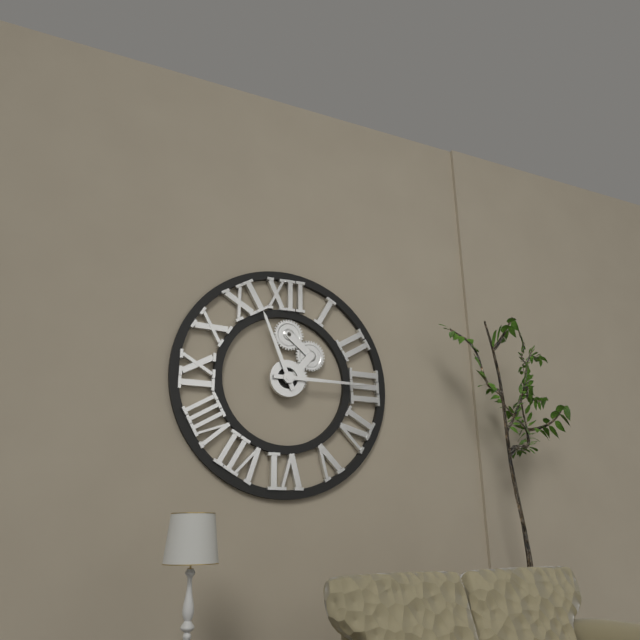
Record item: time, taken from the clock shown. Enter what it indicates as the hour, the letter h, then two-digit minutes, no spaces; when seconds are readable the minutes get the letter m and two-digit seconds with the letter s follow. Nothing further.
11h15
